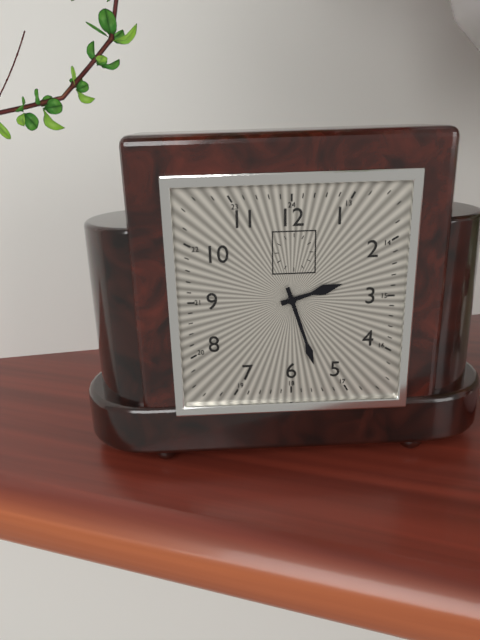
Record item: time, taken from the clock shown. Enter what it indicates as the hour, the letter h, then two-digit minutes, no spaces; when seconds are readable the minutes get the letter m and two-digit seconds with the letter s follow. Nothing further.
2h27
